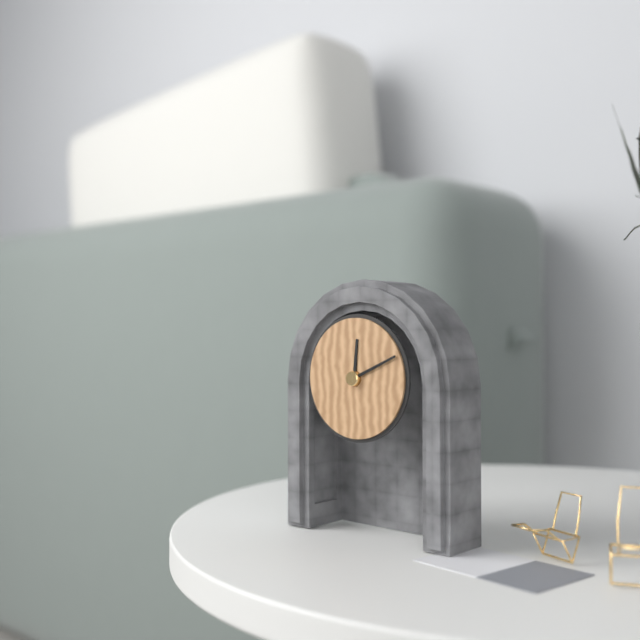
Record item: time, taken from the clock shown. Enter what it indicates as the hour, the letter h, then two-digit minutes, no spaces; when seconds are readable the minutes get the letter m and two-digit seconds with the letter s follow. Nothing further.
12h11
